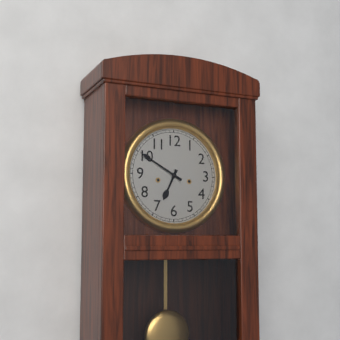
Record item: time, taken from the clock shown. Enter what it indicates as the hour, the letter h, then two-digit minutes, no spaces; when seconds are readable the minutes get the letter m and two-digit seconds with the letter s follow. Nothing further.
6h50
